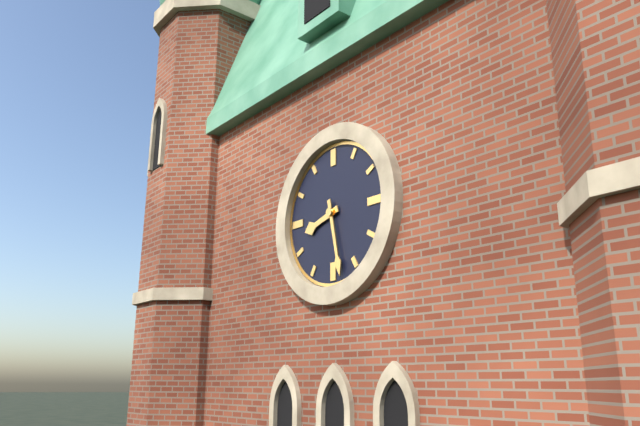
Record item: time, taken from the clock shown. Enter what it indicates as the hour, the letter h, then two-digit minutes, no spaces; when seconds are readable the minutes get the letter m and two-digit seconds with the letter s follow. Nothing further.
8h28
